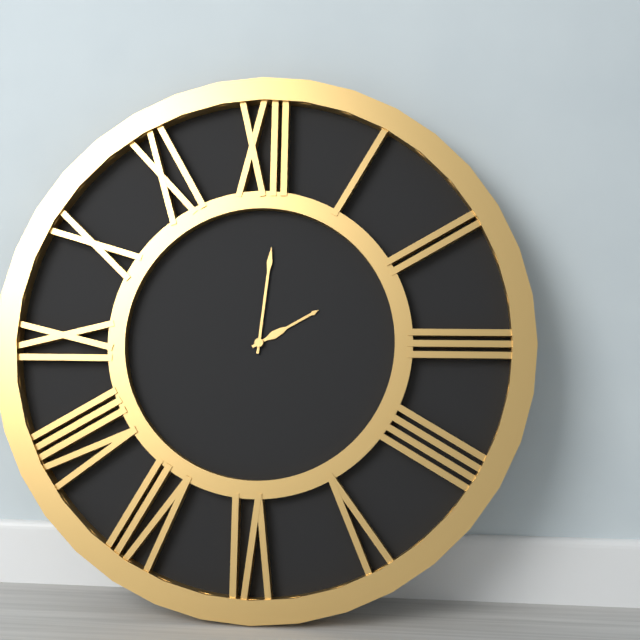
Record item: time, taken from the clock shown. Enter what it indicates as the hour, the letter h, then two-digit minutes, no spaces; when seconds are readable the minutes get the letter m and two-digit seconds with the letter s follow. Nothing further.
2h01
